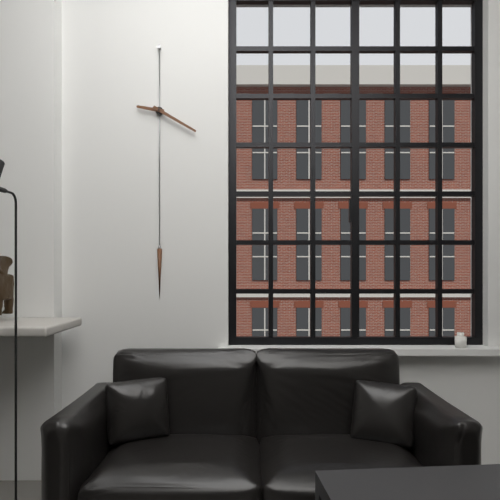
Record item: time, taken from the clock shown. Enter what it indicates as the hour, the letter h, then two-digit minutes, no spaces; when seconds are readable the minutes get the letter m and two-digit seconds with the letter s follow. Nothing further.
9h20
